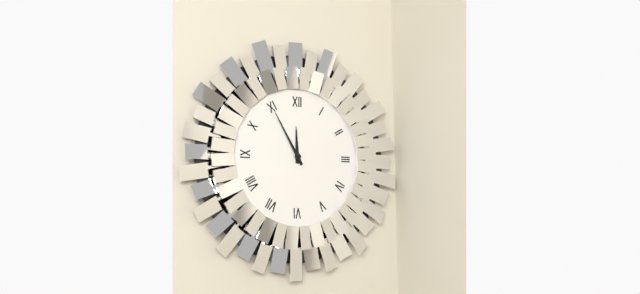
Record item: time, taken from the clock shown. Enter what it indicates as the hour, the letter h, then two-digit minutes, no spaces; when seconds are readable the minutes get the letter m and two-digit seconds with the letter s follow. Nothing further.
11h55
